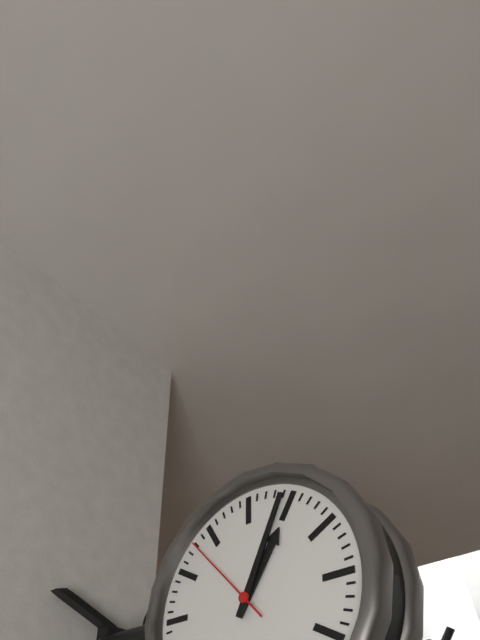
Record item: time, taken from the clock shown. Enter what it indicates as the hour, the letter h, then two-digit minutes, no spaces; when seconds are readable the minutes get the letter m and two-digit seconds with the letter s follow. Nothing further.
1h04m53s
